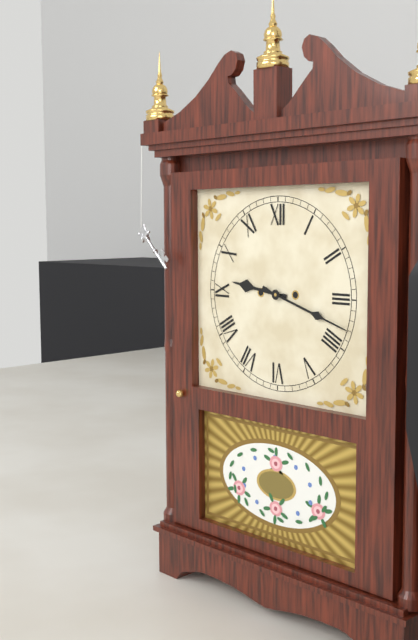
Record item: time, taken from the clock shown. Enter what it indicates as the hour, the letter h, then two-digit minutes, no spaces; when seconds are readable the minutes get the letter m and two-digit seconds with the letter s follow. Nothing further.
9h18
